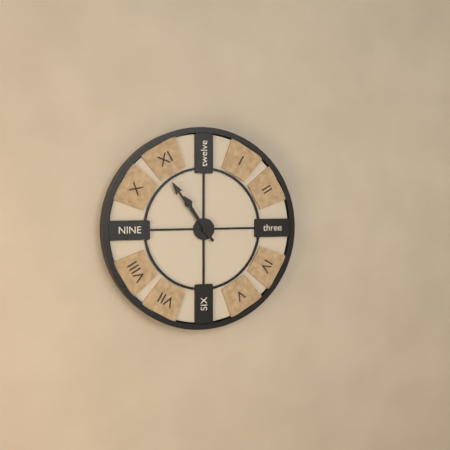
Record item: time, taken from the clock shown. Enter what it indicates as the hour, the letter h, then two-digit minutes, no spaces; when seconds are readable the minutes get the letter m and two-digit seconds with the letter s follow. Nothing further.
10h54
